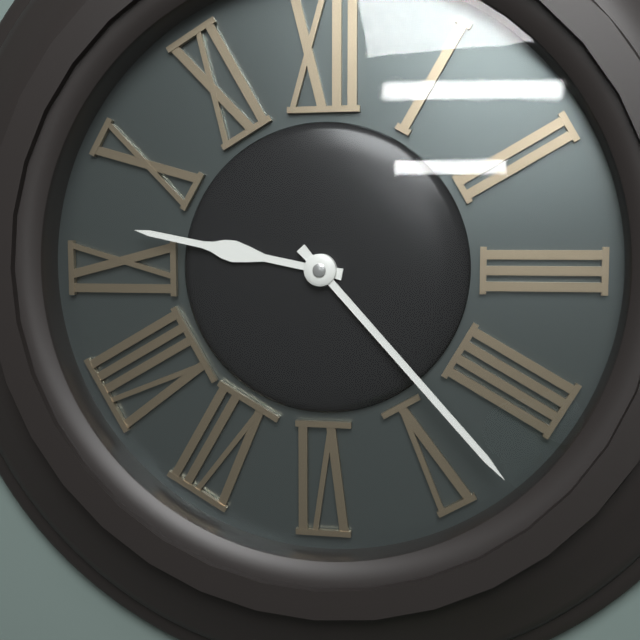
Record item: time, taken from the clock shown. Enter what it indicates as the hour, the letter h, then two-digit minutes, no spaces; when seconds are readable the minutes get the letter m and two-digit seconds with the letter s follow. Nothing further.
9h23
